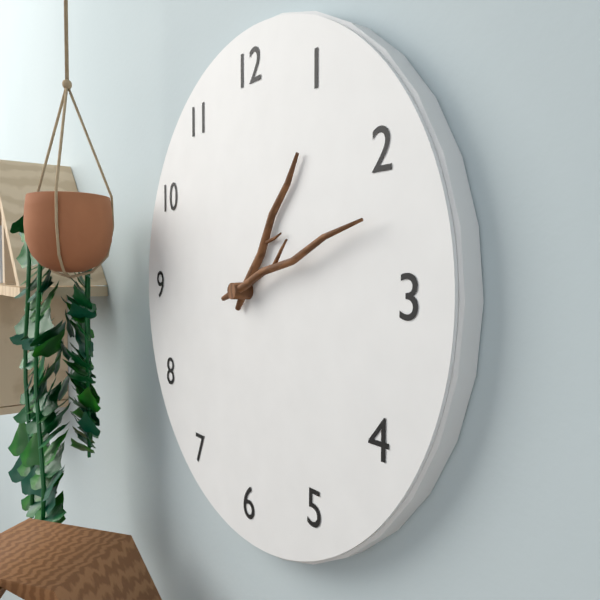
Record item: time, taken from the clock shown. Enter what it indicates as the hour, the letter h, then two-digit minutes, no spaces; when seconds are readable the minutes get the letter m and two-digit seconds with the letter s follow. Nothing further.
1h12
